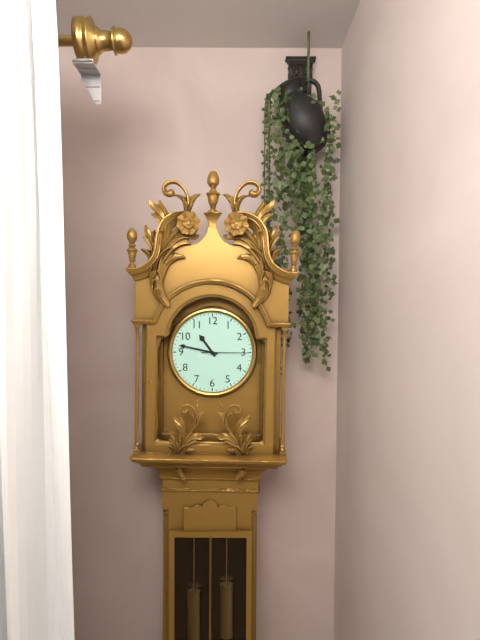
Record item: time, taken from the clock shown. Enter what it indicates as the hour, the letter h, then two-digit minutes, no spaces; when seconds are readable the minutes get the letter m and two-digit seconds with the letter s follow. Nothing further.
10h47
